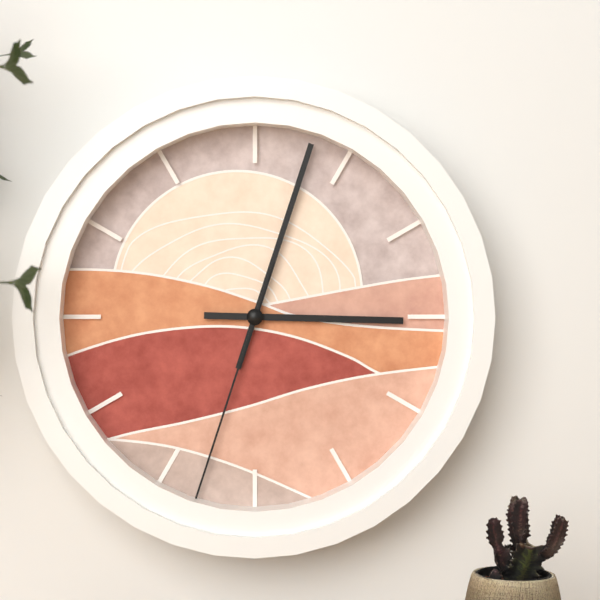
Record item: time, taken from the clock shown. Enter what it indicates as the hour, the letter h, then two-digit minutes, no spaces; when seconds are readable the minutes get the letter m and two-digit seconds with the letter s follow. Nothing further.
3h03m33s
